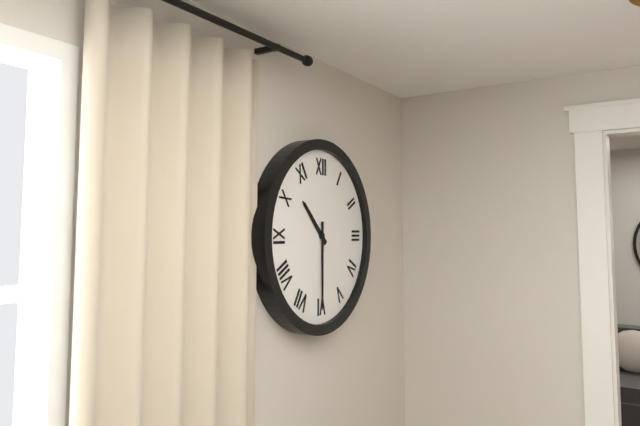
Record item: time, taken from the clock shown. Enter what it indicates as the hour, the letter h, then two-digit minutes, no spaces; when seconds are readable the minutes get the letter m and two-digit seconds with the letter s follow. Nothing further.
10h30
